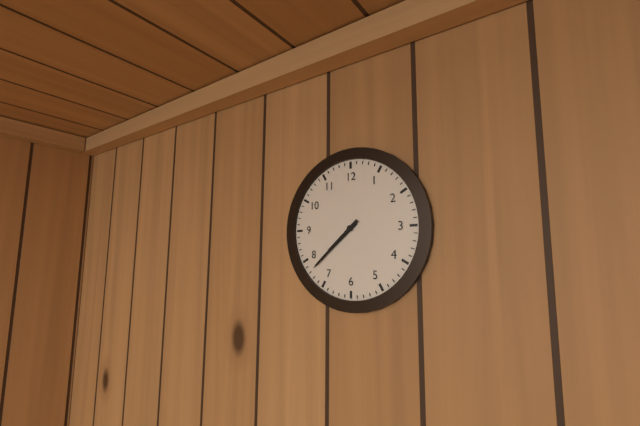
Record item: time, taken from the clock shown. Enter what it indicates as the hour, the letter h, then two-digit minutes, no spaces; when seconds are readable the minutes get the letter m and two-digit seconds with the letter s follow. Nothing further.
7h38
